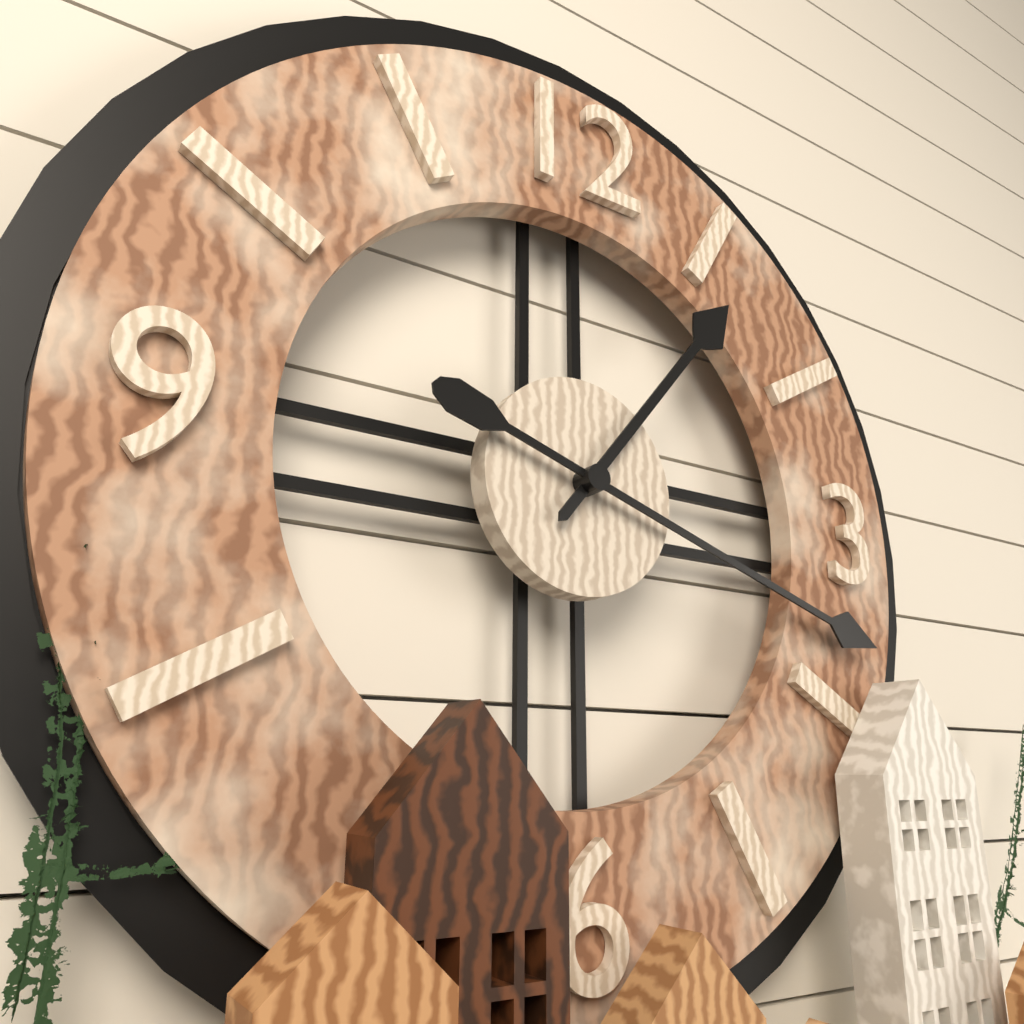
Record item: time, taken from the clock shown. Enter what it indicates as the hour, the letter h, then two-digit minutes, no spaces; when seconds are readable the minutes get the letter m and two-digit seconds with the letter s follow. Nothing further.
1h18
